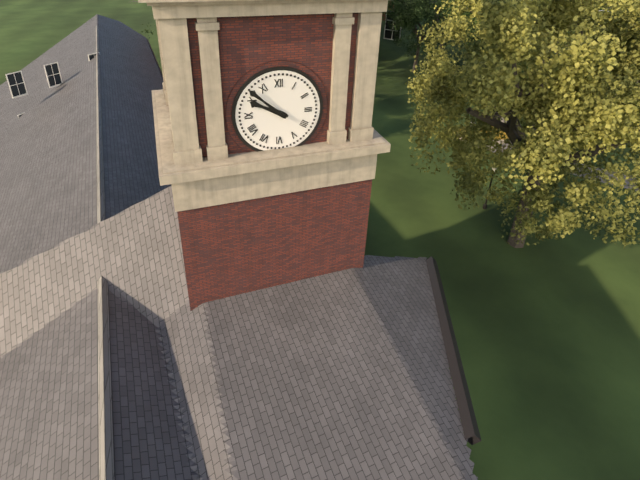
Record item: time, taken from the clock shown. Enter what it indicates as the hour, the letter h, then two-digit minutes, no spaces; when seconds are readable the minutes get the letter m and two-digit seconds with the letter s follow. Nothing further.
9h52
